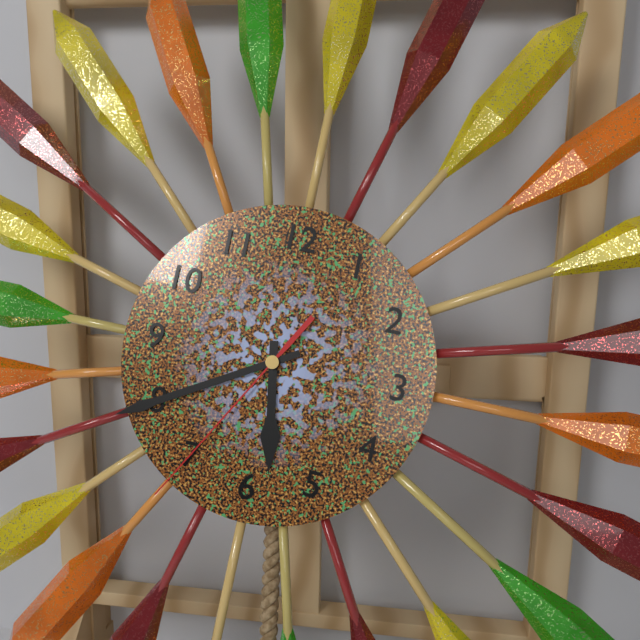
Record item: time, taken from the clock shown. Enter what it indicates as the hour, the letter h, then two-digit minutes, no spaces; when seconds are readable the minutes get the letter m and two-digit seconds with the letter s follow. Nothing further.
5h40m35s
